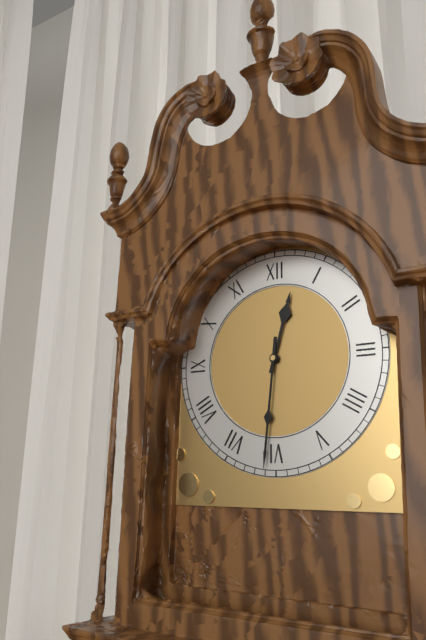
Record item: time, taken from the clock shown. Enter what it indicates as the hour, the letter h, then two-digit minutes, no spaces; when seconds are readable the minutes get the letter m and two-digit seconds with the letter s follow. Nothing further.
12h31
